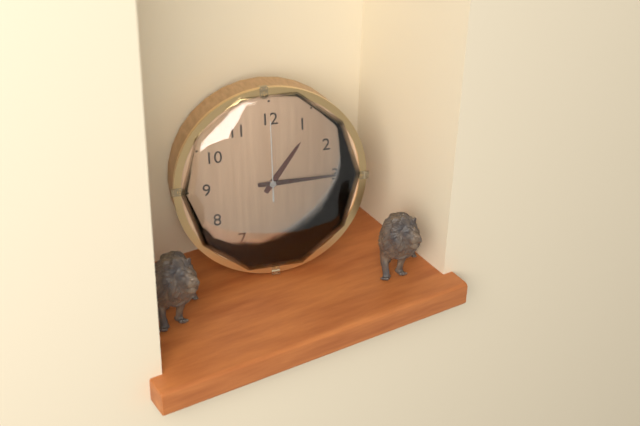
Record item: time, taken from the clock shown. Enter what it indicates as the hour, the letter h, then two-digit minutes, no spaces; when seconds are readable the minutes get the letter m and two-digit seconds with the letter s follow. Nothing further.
1h15m00s
